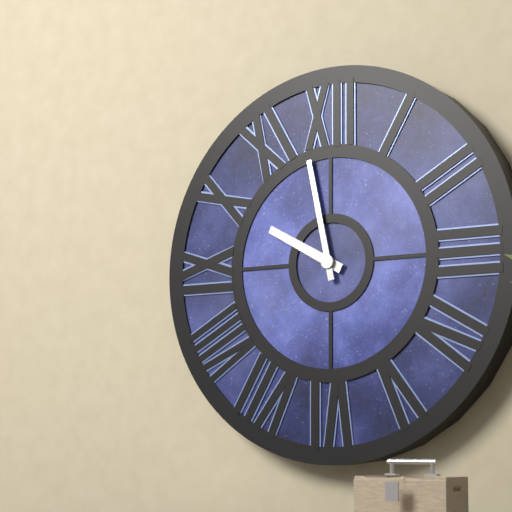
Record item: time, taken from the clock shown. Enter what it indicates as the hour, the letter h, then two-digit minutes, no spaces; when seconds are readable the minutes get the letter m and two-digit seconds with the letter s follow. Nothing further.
9h58
